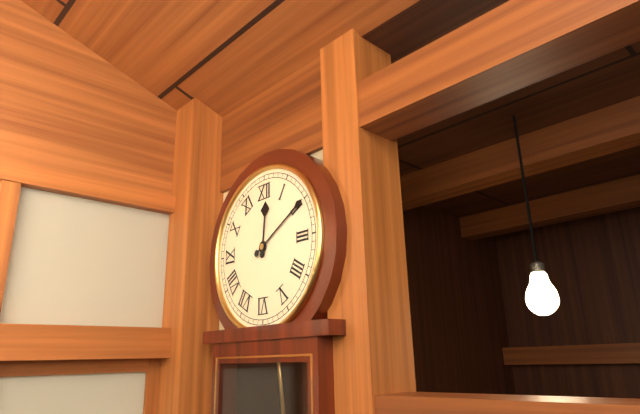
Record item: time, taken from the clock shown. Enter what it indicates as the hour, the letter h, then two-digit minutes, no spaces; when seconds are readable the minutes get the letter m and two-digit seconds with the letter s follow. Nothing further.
12h10
